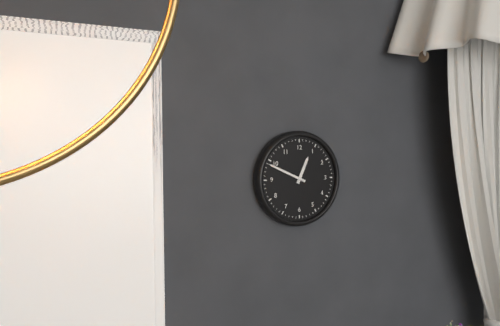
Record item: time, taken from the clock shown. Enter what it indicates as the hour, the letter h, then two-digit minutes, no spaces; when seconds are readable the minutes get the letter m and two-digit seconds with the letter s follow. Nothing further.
12h49
